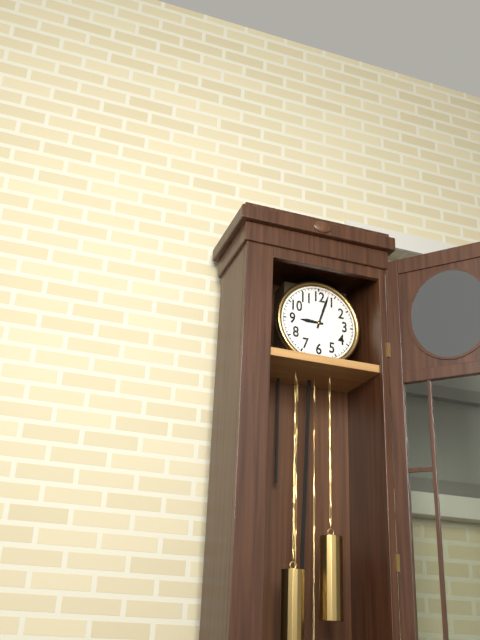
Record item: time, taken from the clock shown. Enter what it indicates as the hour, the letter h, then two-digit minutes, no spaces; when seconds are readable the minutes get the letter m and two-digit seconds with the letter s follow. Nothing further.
9h03
